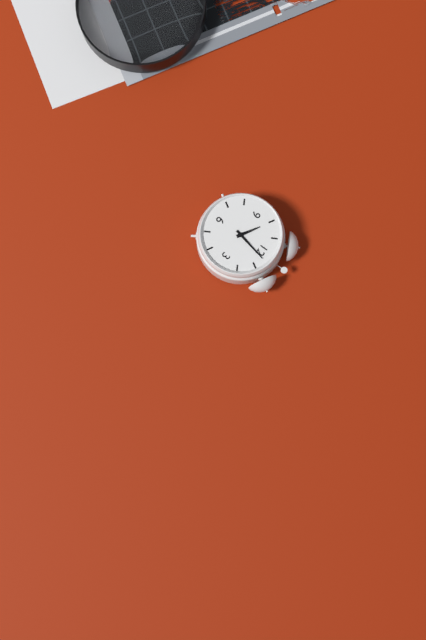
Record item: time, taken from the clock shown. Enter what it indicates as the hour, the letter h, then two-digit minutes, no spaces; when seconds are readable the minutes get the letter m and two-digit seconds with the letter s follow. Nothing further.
10h02
